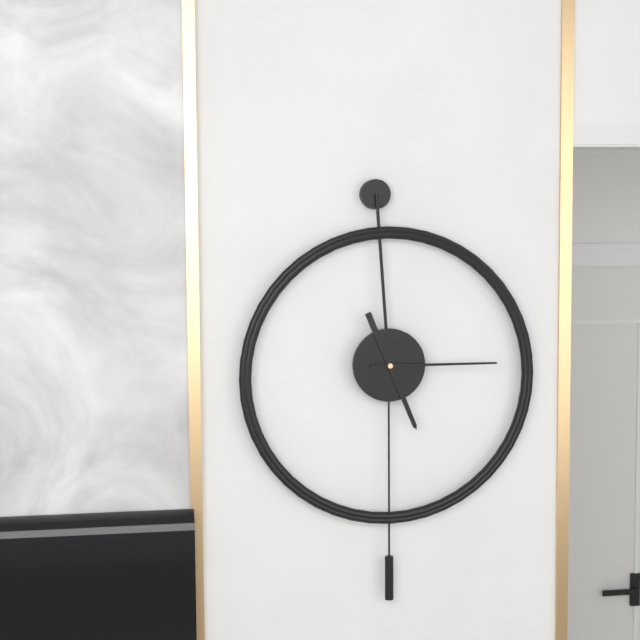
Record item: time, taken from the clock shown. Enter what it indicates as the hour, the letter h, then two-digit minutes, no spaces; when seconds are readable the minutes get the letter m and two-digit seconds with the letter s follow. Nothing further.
5h15
